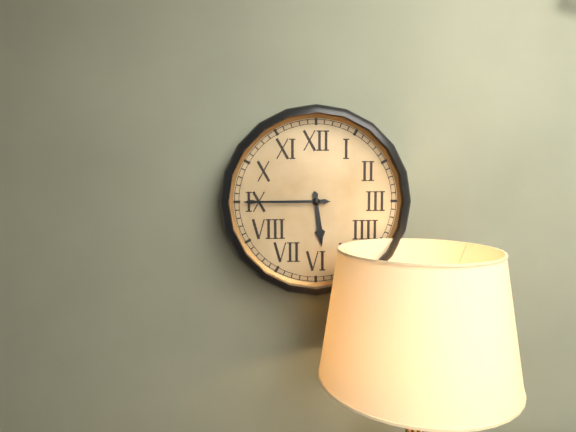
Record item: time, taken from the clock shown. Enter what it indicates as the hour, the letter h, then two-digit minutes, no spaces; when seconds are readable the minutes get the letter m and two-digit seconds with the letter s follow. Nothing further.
5h45
